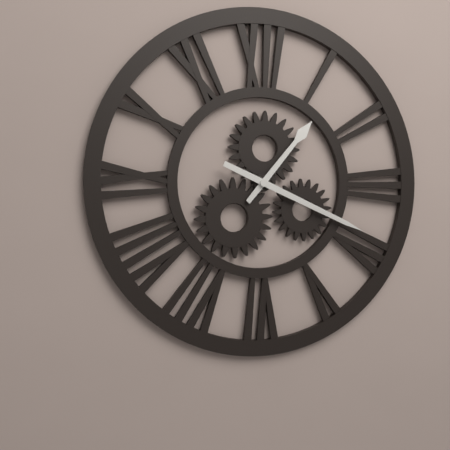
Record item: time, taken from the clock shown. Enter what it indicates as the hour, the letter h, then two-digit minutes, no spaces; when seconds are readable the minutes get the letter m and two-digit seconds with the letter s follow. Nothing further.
1h19
